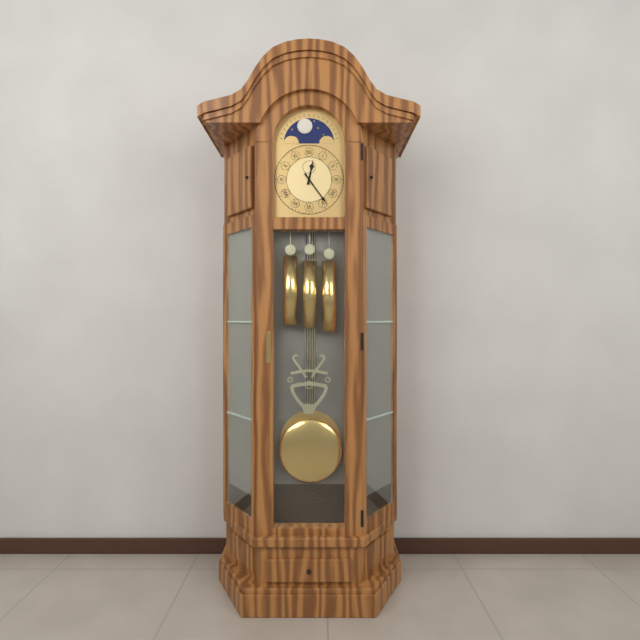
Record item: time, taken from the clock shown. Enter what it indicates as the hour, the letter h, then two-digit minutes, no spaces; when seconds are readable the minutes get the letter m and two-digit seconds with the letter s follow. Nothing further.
12h24
